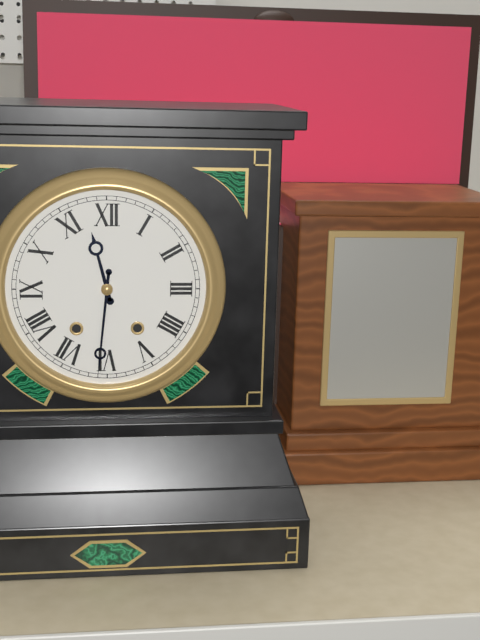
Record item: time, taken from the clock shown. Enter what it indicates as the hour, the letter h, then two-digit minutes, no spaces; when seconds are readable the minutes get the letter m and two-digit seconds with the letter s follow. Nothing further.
11h31
